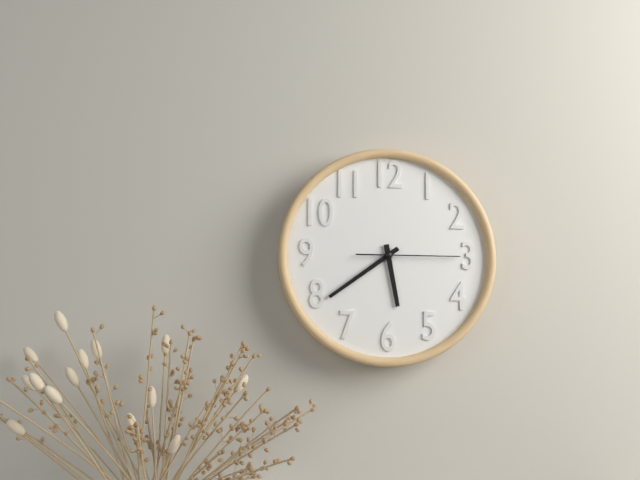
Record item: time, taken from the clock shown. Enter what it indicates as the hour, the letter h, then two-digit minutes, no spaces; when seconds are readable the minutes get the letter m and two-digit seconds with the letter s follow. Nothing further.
5h39m15s
